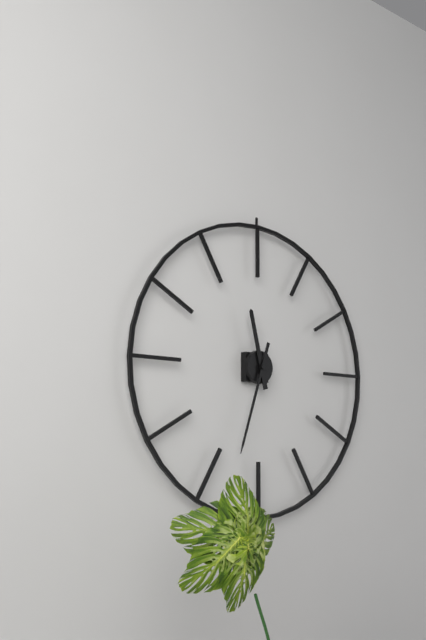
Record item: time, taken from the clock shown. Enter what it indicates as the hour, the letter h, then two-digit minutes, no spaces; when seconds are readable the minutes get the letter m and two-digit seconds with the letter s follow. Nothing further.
11h33
